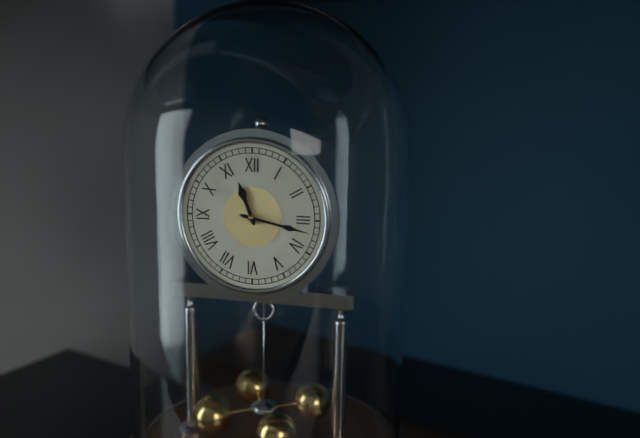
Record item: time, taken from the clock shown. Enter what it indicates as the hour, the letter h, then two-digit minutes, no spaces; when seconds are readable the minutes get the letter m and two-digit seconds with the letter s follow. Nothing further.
11h17
